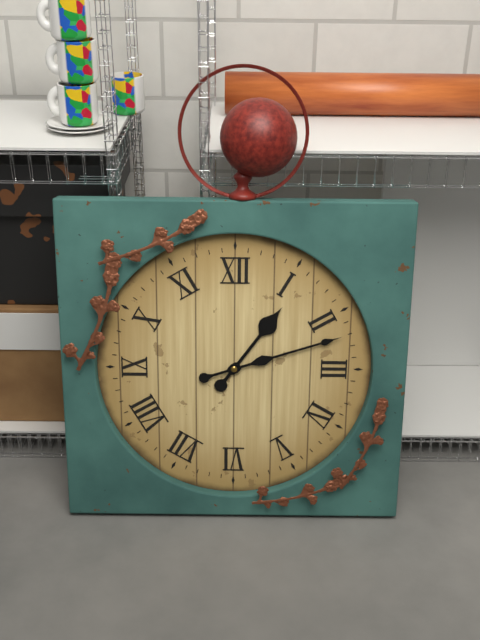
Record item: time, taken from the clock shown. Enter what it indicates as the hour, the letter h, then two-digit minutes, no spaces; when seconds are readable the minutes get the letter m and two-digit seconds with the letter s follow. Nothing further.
1h12
